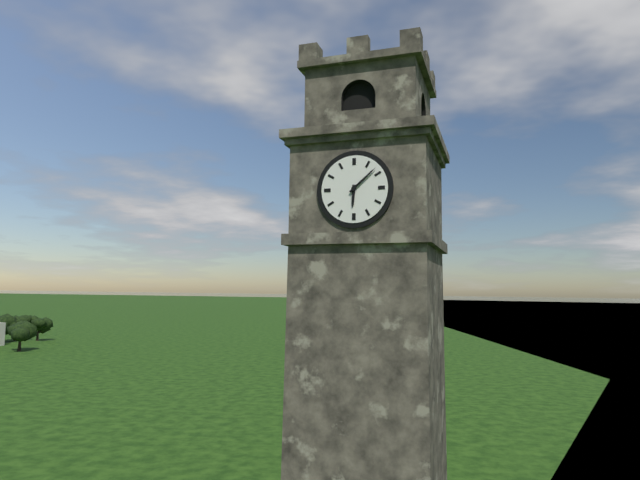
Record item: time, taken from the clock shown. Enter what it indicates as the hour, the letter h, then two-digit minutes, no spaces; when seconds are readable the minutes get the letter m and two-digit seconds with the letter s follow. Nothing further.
6h08
